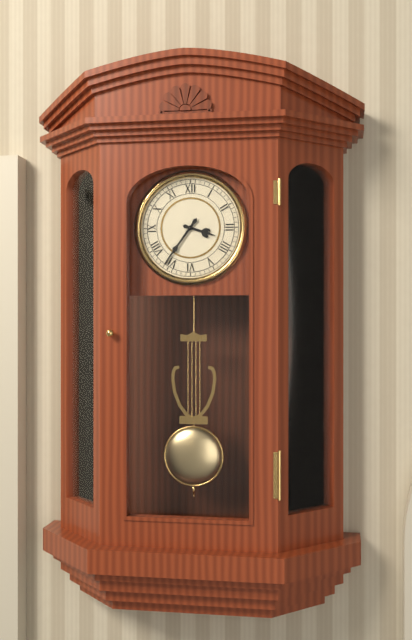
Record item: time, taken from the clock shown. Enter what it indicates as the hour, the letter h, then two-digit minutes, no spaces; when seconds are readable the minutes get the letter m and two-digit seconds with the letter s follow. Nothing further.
3h36
